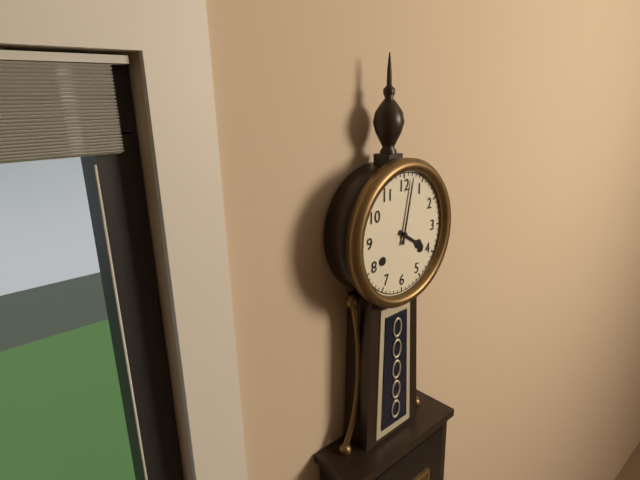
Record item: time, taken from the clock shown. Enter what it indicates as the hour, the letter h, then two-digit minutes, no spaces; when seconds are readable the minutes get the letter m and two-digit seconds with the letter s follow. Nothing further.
4h02
